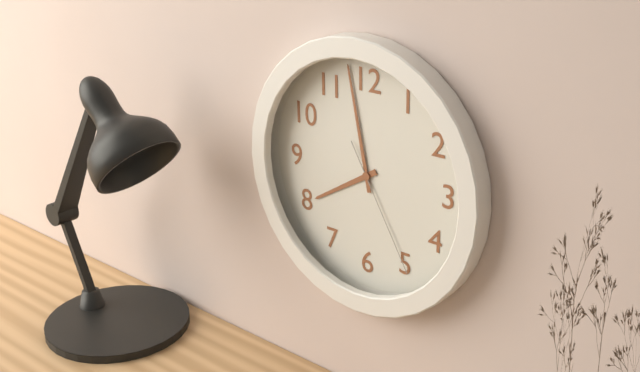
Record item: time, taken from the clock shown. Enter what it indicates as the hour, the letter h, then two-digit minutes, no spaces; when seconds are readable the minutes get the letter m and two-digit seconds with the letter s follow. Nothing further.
7h58m25s
